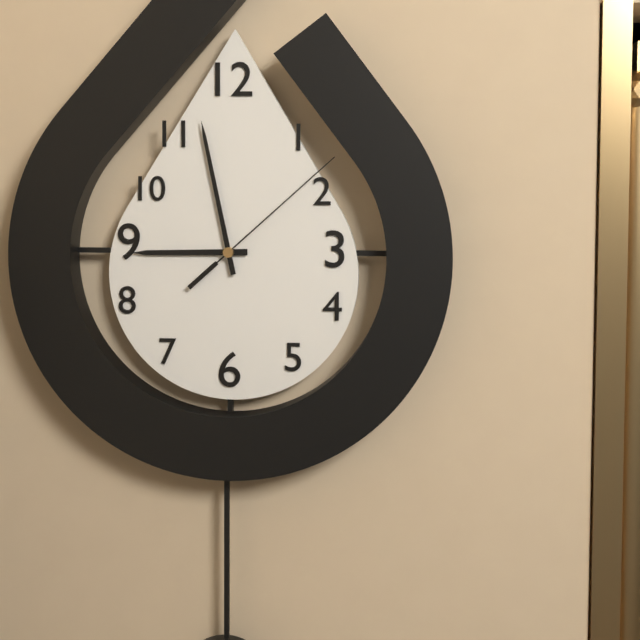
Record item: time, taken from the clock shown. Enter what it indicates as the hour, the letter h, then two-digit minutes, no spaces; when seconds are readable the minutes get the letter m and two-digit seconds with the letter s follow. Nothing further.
8h58m08s
